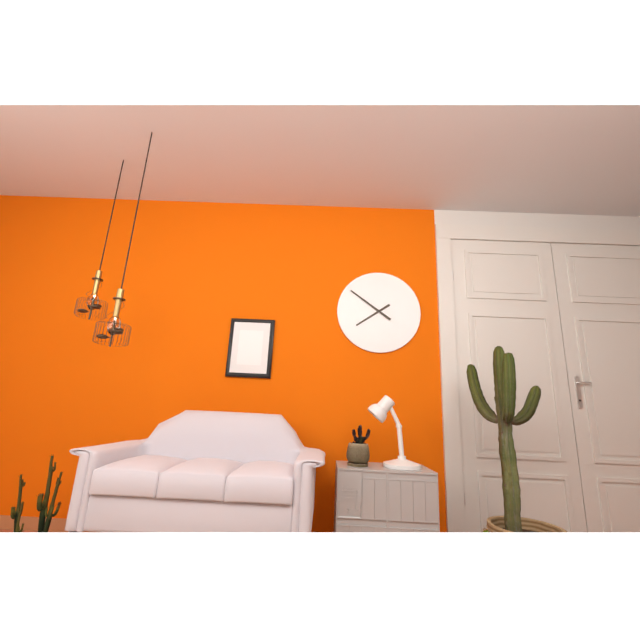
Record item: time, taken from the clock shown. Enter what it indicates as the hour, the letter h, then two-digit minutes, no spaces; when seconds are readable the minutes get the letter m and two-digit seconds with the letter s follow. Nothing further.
7h51
